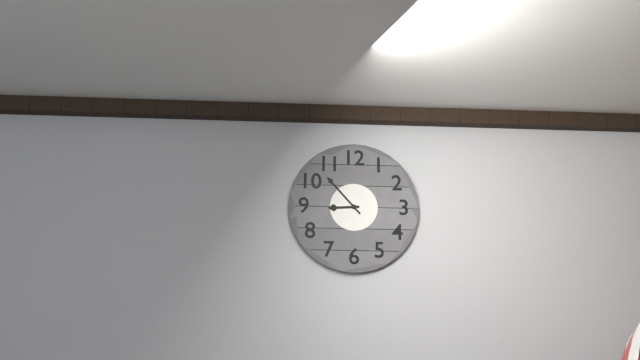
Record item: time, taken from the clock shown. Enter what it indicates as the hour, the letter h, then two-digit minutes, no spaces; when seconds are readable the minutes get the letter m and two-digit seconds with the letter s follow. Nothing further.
8h53
